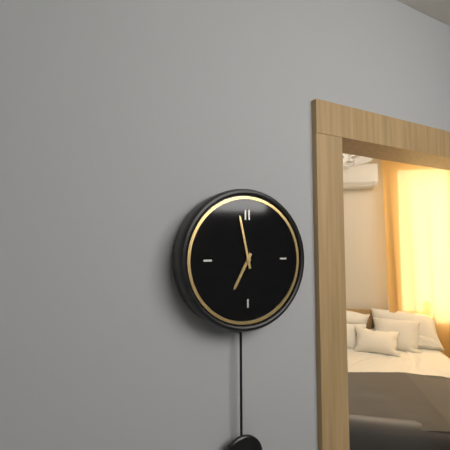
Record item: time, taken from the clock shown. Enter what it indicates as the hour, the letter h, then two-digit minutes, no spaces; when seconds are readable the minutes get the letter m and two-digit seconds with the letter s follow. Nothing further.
6h58
